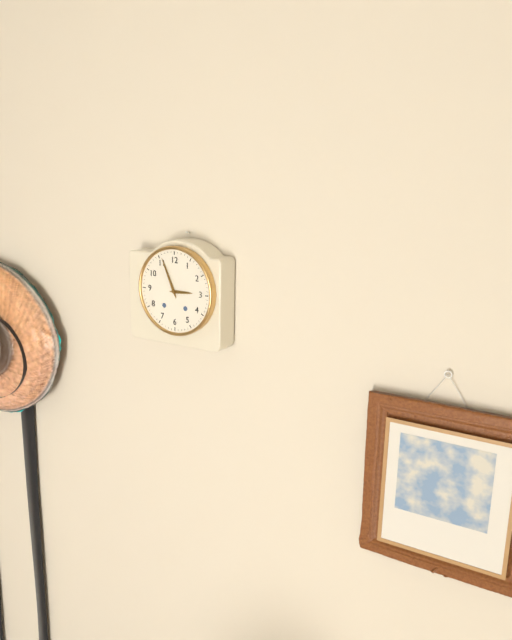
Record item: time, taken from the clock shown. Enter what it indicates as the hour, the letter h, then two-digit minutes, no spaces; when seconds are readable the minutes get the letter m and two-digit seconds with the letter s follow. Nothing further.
2h56
